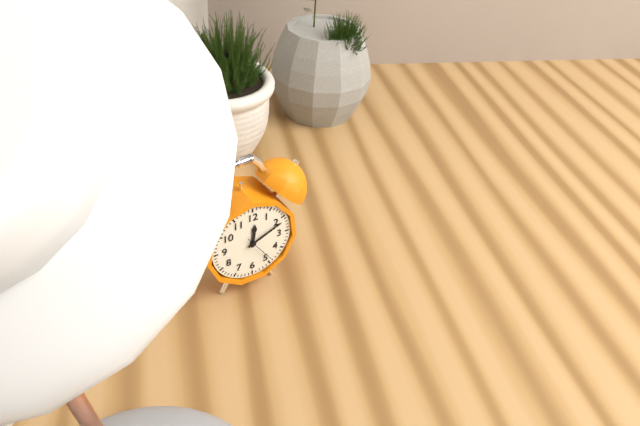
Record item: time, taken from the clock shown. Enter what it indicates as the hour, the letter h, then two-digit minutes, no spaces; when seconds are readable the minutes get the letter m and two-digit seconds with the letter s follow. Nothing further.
12h11
